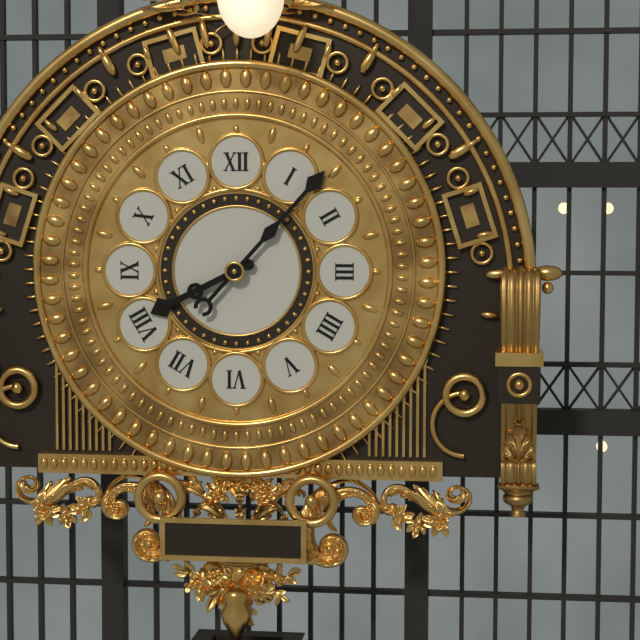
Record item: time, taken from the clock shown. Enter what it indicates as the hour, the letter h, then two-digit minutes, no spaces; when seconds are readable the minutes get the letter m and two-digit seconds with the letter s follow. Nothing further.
8h07
